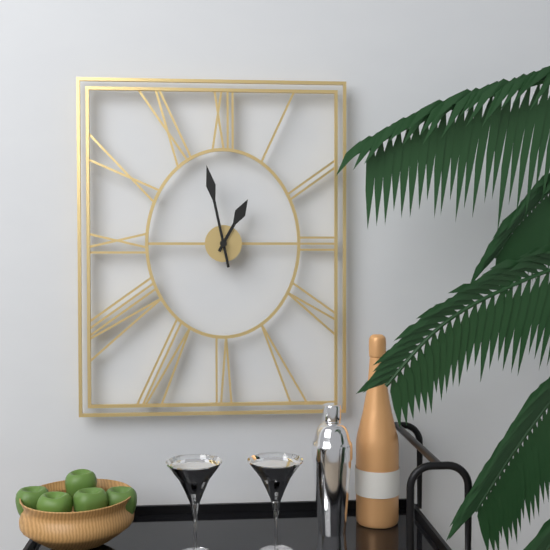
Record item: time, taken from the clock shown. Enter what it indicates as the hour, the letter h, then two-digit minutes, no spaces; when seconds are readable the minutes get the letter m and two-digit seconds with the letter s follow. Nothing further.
12h58
